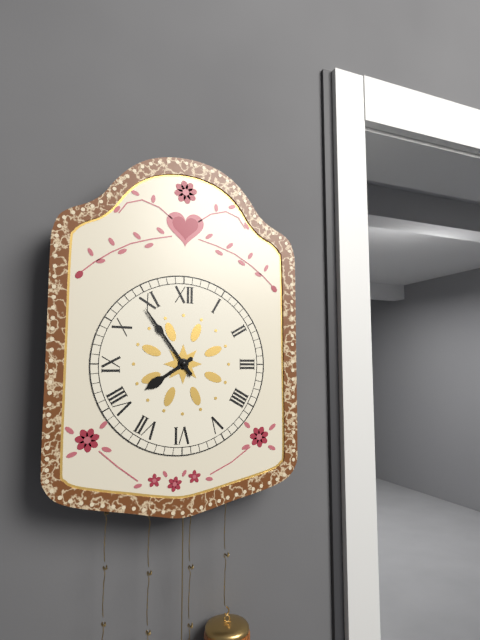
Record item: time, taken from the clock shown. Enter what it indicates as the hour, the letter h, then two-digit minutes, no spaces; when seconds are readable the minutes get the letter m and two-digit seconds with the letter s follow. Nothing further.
7h54
